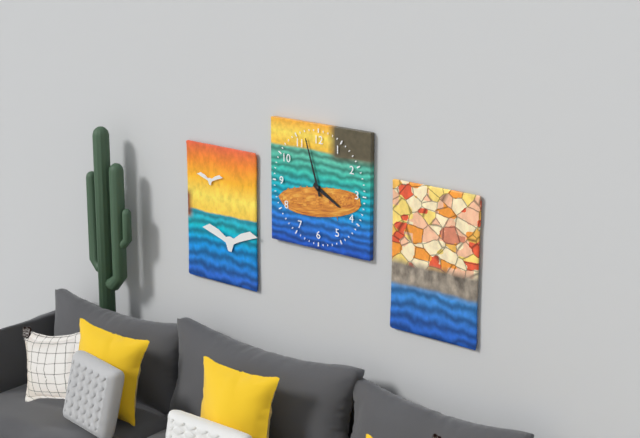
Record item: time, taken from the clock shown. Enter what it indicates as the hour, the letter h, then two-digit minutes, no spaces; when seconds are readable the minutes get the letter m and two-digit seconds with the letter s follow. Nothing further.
3h57
